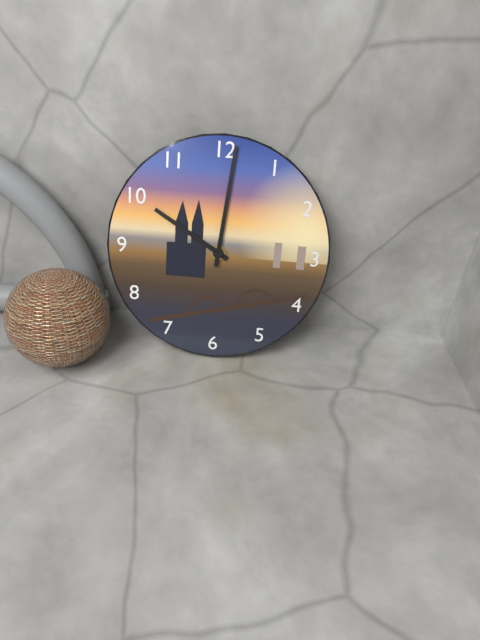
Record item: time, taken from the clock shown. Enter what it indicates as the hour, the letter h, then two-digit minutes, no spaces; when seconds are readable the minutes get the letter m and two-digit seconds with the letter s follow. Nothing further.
10h01
